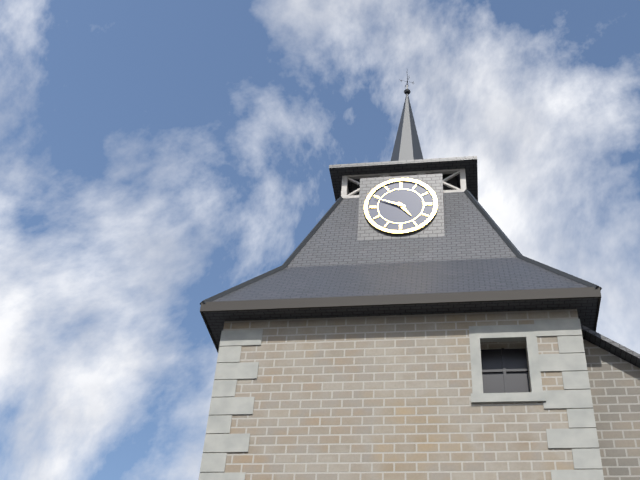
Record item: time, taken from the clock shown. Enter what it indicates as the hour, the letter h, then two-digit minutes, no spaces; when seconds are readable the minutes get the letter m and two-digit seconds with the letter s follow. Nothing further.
4h49
